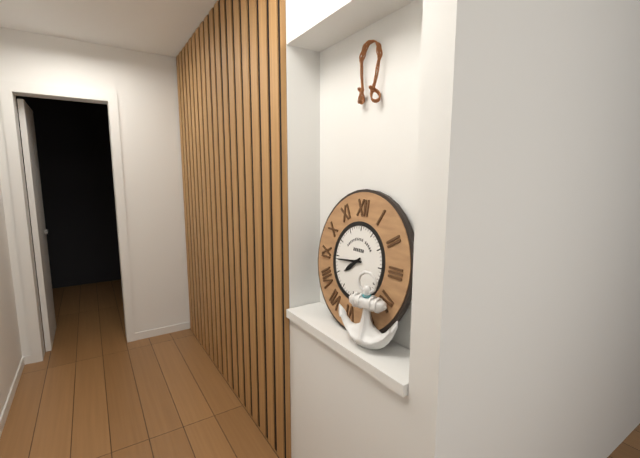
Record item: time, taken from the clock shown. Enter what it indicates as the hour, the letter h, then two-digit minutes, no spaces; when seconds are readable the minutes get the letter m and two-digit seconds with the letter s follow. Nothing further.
7h44
